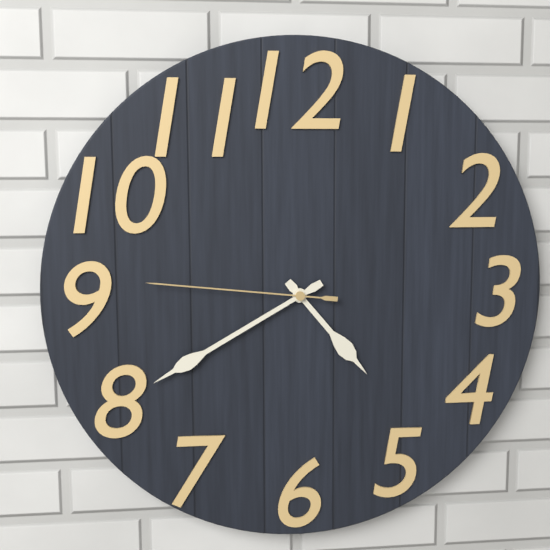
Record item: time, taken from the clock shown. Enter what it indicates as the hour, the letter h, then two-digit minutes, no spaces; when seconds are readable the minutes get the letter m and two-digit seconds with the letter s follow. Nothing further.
4h40m46s
